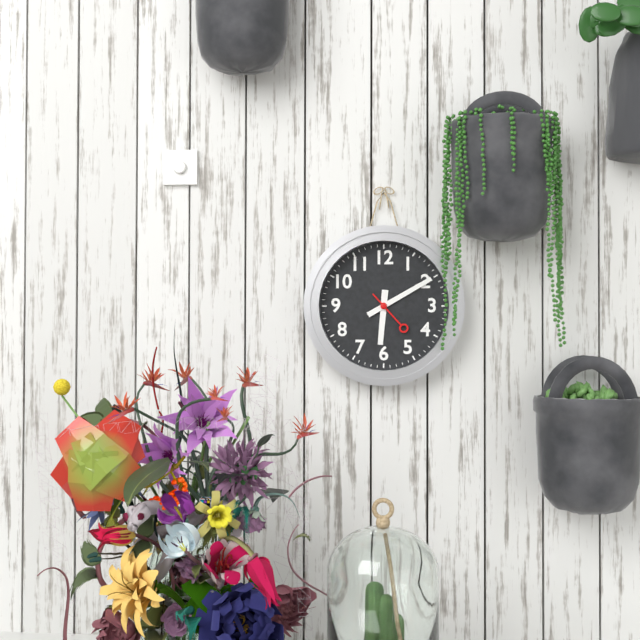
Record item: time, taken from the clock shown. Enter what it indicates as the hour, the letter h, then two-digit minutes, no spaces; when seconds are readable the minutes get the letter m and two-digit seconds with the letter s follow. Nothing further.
6h10
